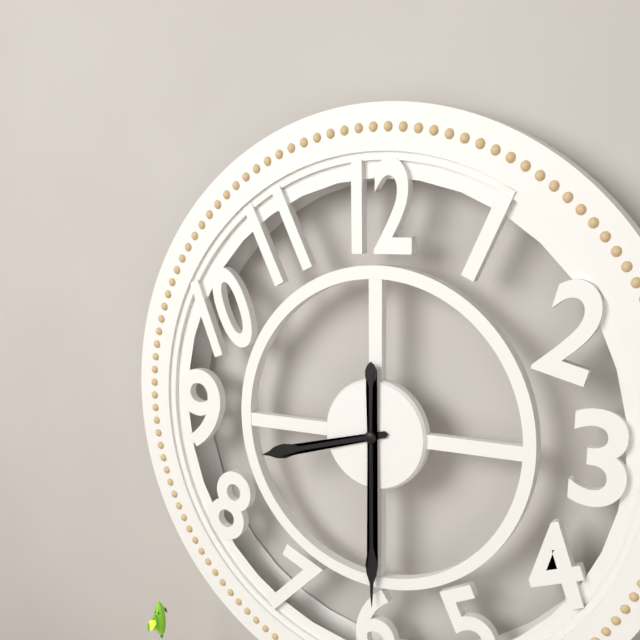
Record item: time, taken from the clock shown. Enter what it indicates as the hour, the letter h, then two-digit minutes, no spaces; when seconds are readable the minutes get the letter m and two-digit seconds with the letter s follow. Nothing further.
8h30
